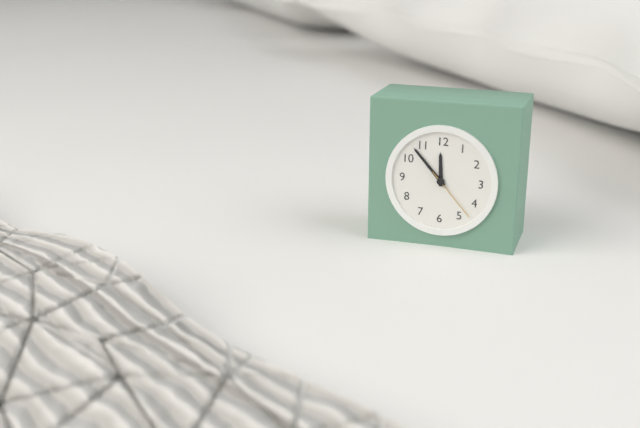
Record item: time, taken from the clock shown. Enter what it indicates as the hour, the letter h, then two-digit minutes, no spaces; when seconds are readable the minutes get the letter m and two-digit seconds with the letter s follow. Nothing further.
11h53m23s
